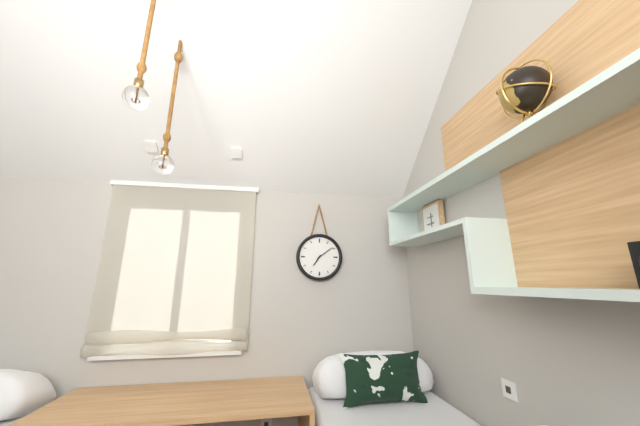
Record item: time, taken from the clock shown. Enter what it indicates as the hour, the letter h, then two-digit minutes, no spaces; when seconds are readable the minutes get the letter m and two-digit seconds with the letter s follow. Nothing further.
7h09
